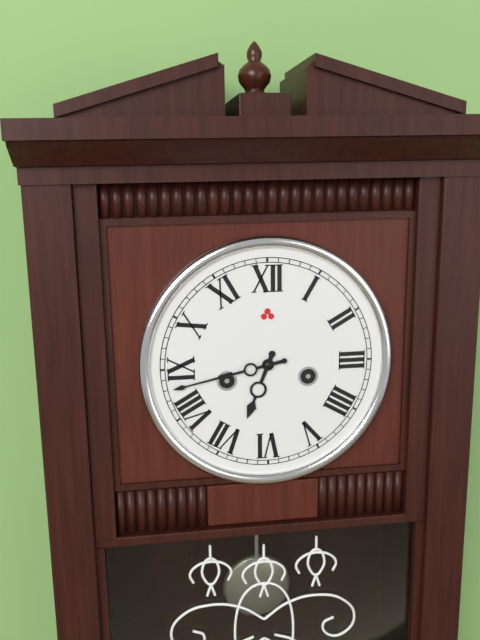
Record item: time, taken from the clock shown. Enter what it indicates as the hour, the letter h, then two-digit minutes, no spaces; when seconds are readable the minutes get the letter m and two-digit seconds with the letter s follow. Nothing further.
6h43
